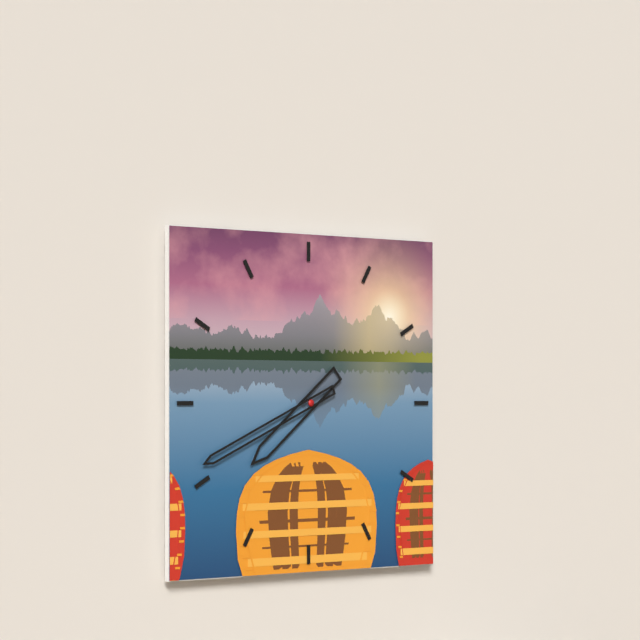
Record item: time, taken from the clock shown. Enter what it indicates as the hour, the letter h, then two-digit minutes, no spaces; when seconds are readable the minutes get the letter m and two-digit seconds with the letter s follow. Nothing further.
7h41
